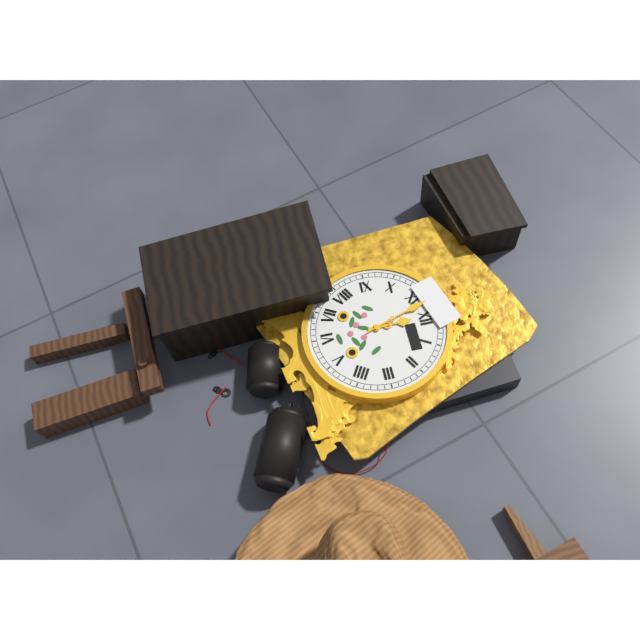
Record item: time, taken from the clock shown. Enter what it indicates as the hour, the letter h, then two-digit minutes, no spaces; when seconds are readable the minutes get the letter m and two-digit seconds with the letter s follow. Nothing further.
11h57
